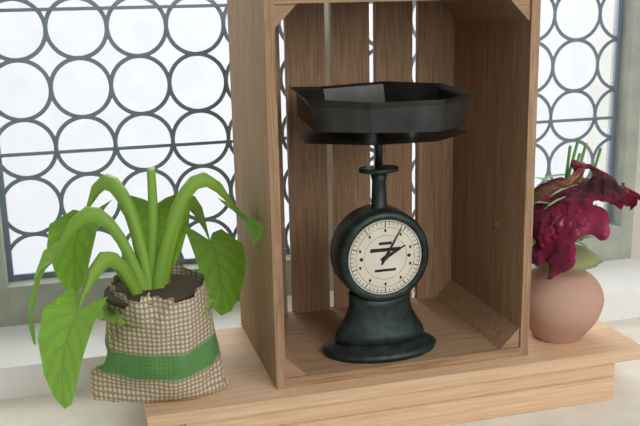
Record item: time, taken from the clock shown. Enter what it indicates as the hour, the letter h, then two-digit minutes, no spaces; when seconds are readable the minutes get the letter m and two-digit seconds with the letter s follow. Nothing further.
2h05
